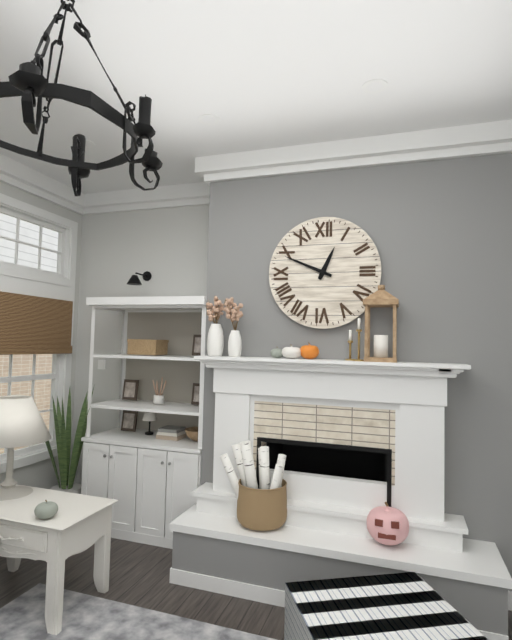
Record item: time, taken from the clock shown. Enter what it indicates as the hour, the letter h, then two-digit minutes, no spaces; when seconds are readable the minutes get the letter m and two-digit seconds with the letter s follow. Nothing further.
12h49
